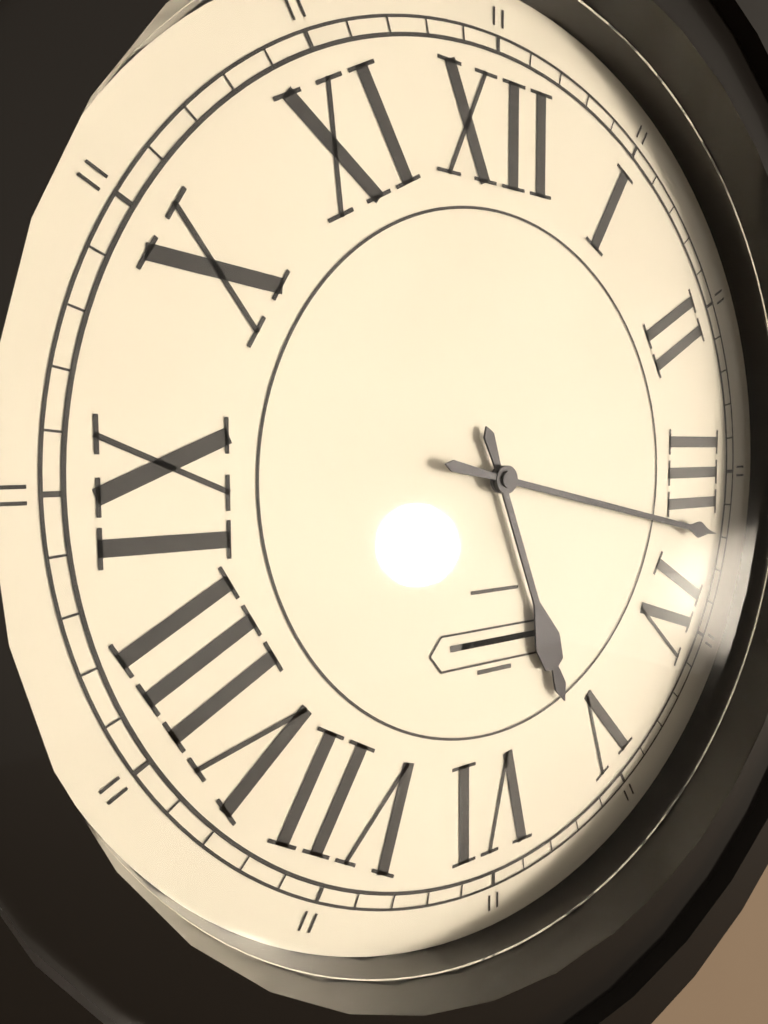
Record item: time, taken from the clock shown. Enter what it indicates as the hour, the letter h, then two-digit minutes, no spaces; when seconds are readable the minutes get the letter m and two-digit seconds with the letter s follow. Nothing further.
5h17
